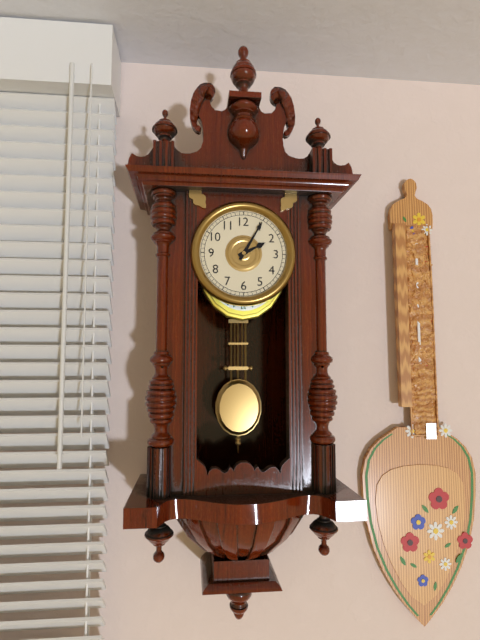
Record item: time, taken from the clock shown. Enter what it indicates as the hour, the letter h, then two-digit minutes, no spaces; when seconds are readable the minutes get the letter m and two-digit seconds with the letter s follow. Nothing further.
2h05
